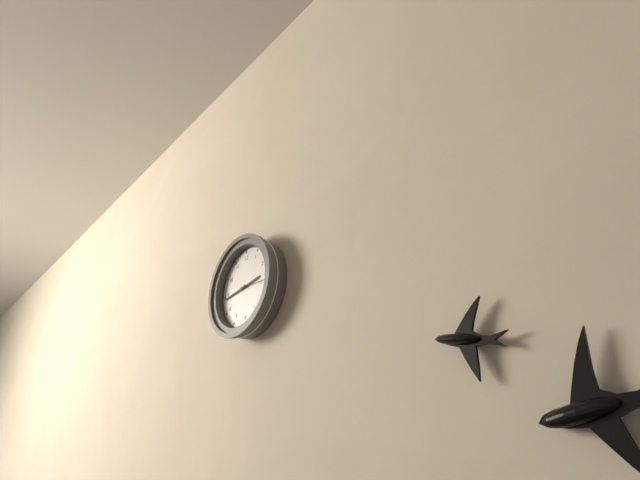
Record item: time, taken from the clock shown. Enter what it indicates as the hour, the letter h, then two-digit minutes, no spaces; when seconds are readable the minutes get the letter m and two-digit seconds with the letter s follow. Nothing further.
2h44
